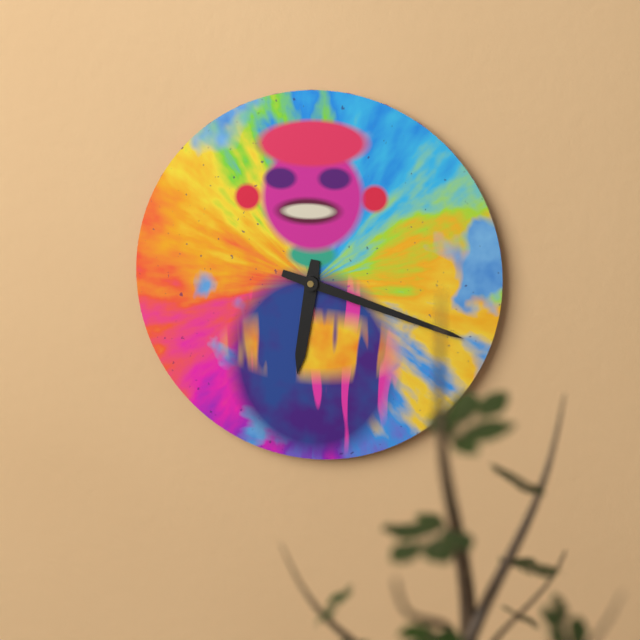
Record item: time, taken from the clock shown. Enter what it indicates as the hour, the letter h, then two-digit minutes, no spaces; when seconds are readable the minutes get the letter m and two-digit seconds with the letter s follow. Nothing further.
6h18
